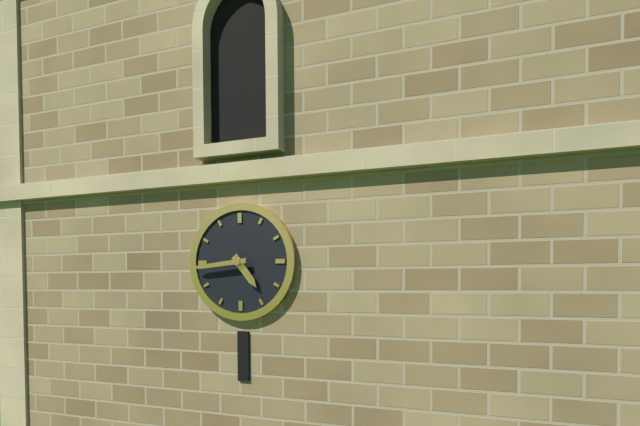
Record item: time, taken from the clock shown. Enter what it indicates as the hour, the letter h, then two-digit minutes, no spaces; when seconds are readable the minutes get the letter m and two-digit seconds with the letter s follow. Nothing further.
4h44
